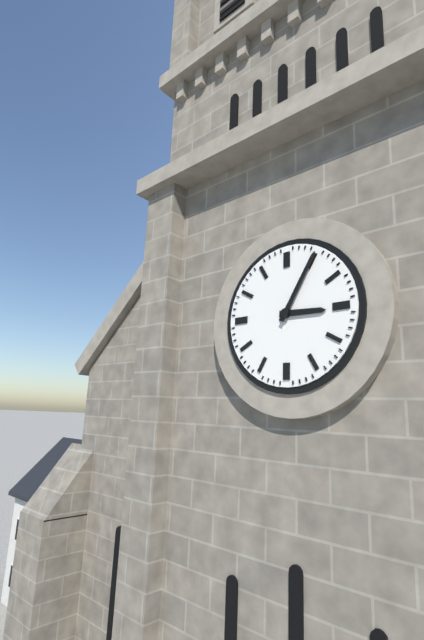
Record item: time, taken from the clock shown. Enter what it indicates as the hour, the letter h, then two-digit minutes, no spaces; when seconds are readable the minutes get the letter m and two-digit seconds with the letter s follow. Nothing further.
3h05
